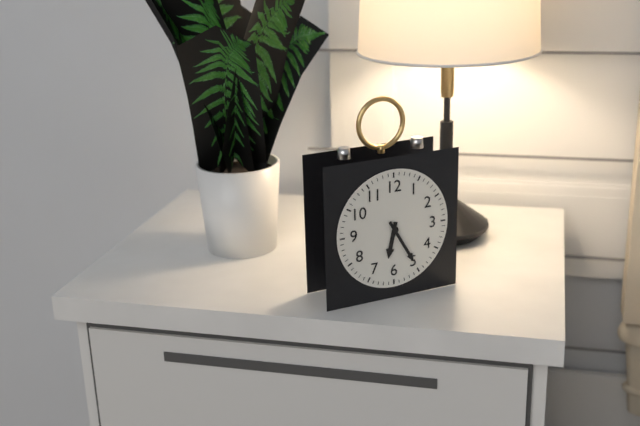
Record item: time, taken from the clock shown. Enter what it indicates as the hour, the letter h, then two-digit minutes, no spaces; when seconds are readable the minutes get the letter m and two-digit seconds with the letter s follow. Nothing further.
6h25
